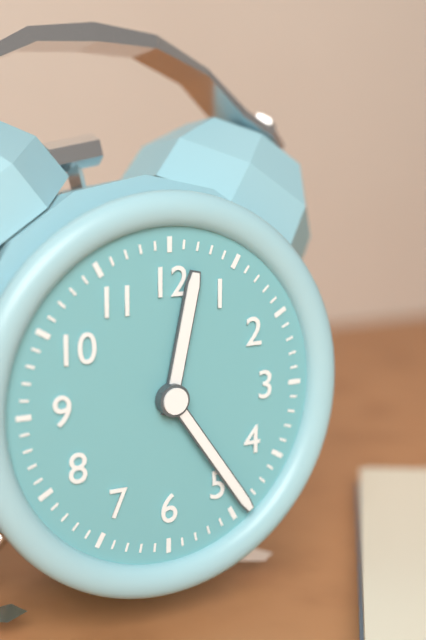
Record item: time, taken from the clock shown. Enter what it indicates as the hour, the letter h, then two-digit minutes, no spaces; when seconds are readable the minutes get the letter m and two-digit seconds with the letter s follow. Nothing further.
12h24
